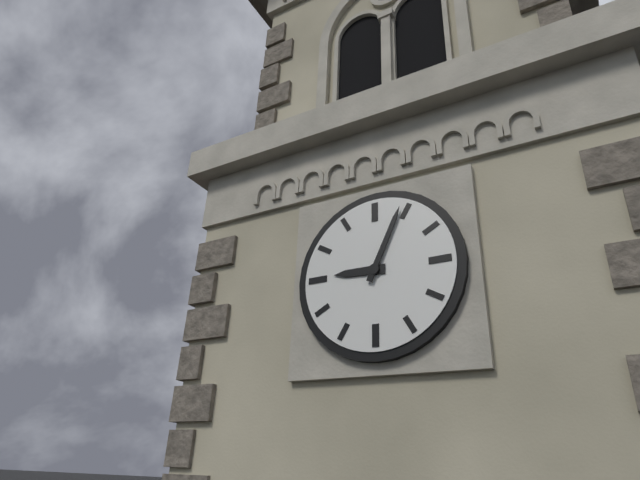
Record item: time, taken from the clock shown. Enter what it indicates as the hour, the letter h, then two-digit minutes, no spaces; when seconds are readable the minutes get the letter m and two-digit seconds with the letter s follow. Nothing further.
9h04
